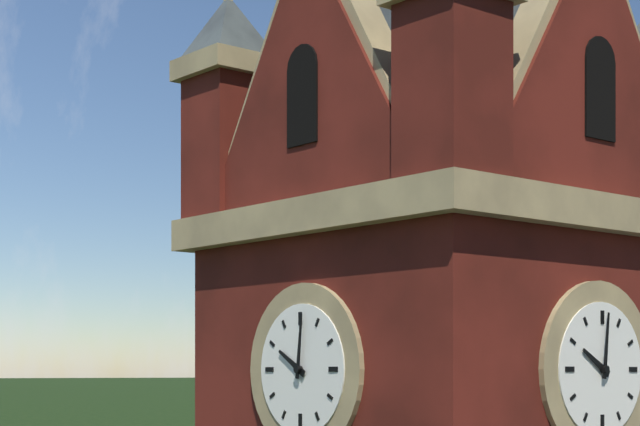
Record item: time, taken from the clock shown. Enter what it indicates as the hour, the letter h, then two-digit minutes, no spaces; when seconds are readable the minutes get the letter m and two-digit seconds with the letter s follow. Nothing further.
10h01
